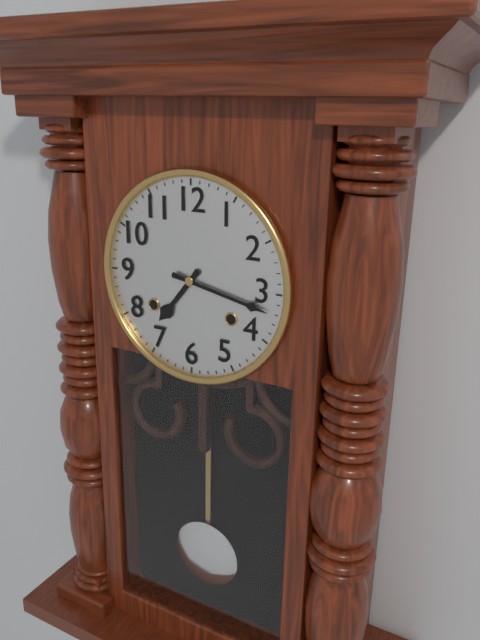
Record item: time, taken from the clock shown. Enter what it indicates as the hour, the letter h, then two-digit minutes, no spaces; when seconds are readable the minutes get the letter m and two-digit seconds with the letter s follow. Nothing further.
7h17
